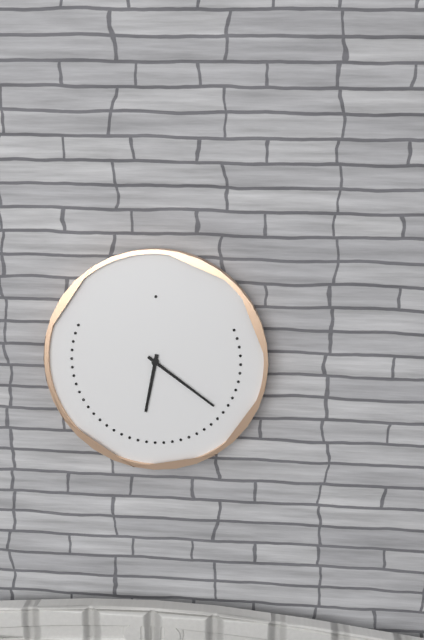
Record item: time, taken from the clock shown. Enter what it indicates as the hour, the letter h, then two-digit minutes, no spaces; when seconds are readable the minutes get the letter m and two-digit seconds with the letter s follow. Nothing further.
6h21
